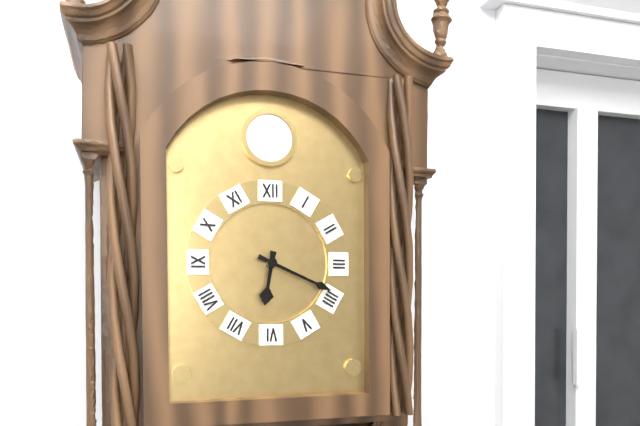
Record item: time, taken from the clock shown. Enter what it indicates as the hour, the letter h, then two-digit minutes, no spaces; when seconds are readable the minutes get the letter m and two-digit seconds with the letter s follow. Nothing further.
6h19
